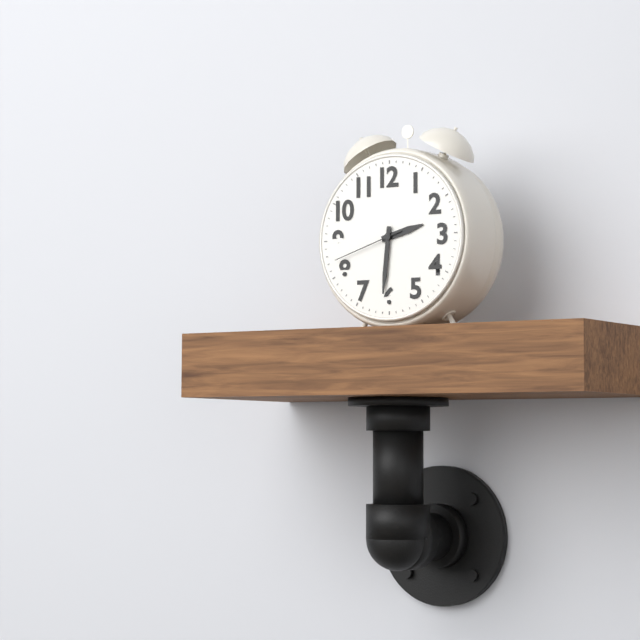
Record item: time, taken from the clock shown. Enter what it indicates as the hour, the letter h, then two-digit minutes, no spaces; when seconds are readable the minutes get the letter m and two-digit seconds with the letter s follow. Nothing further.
2h31m42s
